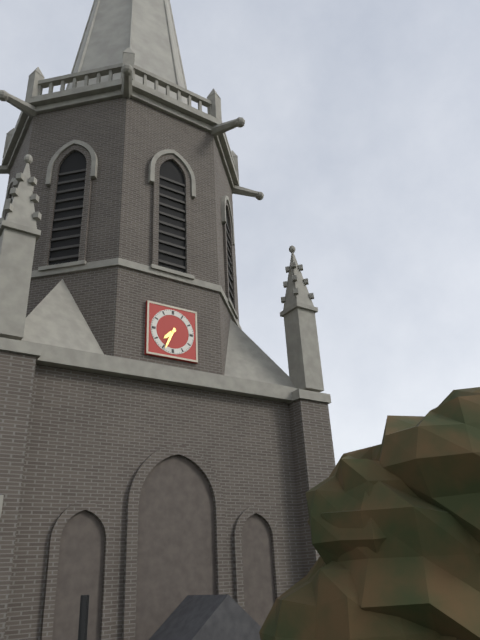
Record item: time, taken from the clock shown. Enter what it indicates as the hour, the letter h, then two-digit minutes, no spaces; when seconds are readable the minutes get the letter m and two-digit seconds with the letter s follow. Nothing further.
7h34
